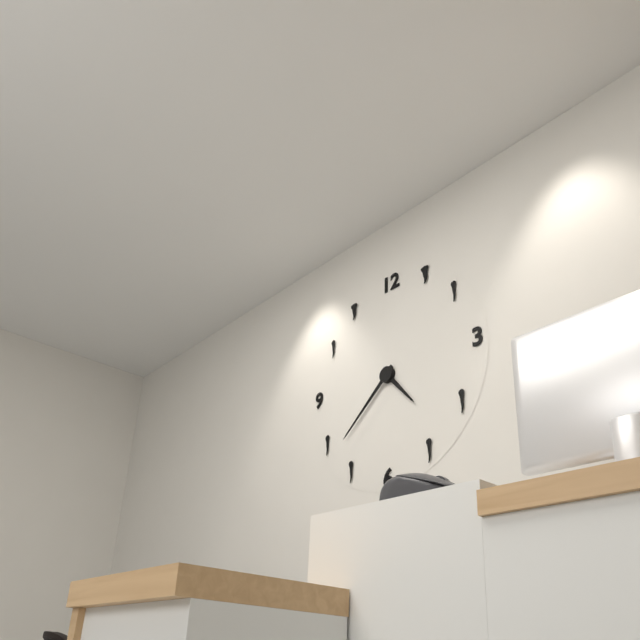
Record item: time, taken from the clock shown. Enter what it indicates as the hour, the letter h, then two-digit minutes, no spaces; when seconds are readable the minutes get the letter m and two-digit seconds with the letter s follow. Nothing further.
4h38
